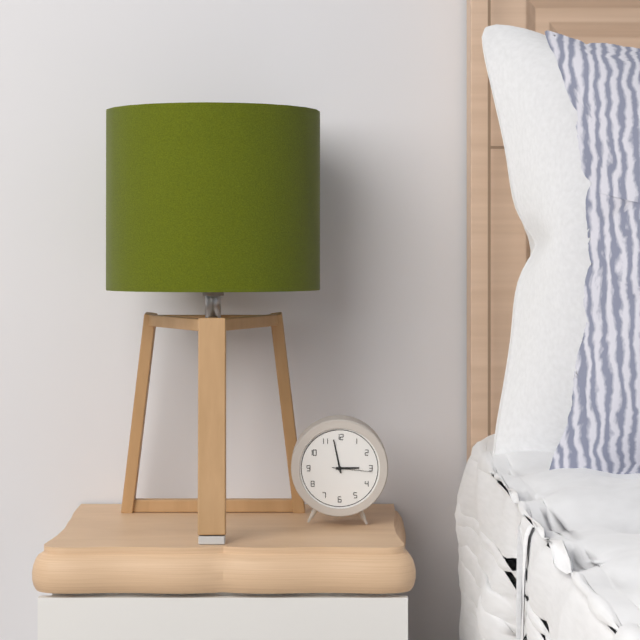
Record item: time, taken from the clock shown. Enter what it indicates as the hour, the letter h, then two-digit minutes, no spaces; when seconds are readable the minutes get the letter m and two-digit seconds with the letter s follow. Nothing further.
2h58
